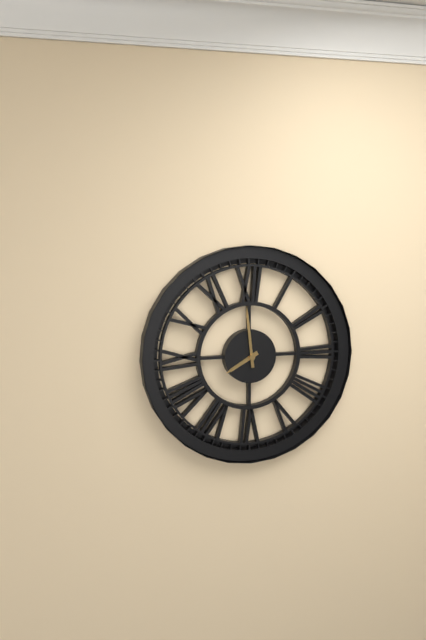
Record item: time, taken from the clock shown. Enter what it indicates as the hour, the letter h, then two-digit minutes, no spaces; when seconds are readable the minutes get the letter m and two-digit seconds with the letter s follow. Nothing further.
7h59
